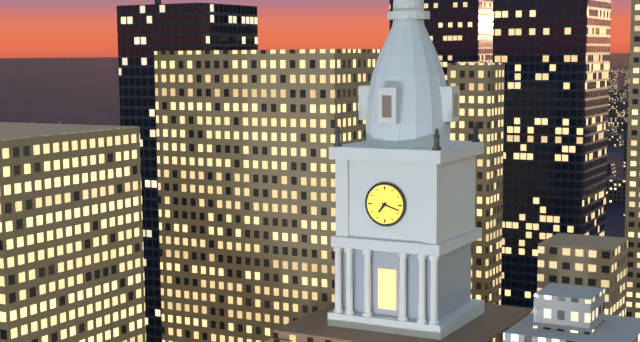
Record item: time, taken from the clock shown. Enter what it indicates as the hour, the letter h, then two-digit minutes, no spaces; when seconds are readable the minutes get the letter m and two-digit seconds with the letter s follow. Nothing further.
7h18
